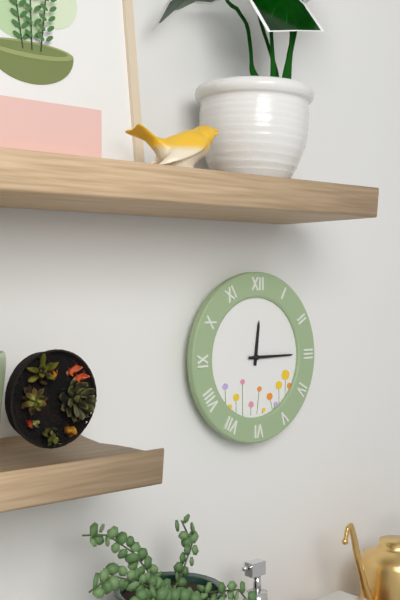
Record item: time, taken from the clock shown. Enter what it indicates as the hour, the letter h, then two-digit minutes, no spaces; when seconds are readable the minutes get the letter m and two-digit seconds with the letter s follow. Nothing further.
12h15
